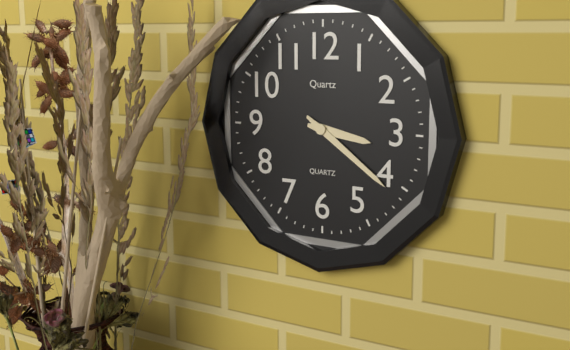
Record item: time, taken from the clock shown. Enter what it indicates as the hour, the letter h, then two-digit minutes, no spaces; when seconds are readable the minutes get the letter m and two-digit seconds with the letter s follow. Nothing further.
3h21
